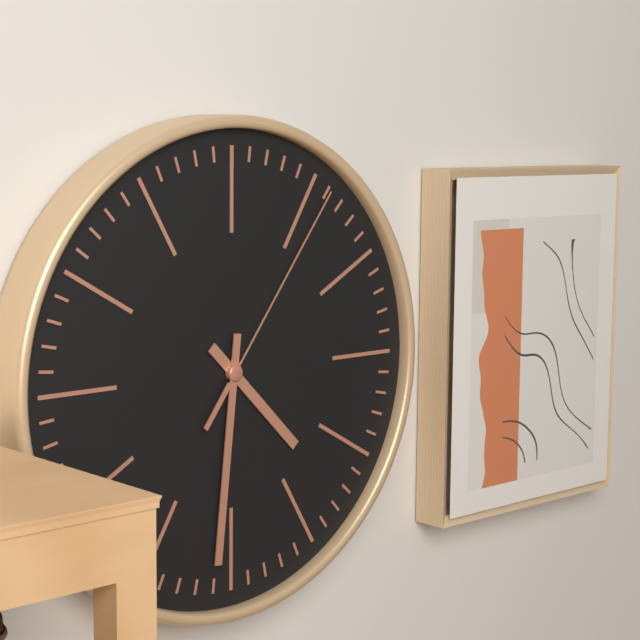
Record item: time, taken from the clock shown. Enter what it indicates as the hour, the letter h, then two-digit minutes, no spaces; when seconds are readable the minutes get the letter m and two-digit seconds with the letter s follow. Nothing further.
4h31m06s
